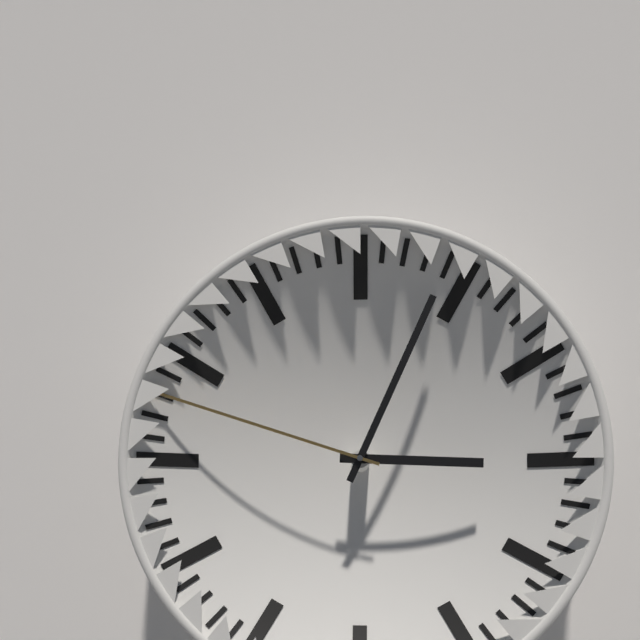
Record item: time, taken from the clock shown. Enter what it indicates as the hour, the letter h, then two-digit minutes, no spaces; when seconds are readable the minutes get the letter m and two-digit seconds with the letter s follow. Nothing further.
3h04m48s
